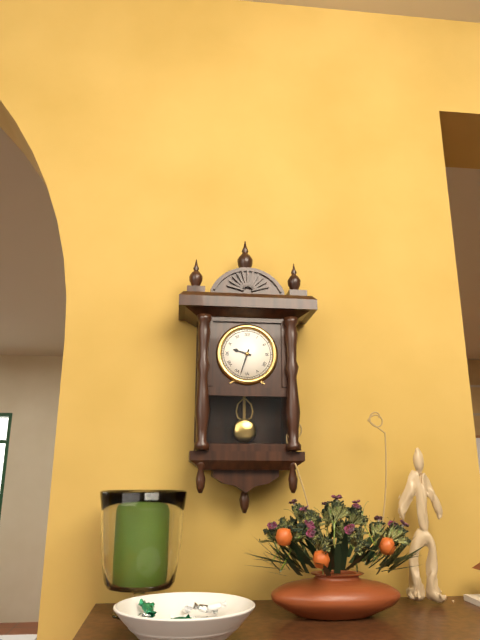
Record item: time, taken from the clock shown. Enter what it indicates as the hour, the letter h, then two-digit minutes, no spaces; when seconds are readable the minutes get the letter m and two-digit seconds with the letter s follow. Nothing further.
9h33
